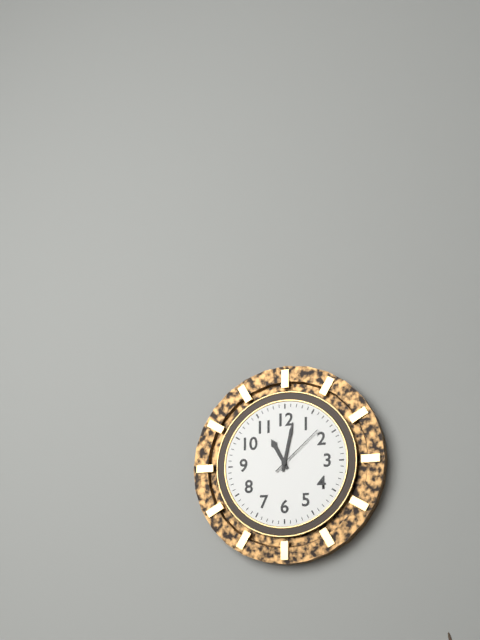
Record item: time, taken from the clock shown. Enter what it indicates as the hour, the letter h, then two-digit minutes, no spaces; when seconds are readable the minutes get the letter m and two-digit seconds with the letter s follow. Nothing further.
11h02m08s
